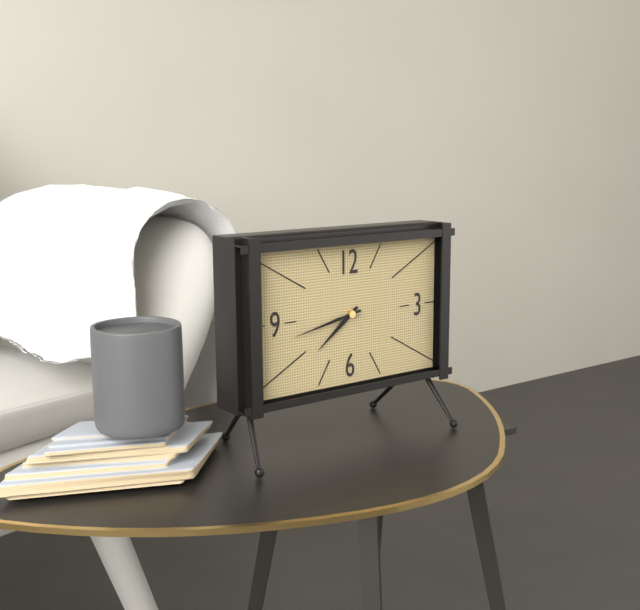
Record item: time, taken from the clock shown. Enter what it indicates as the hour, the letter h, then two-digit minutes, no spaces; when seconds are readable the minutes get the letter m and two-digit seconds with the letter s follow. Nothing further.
7h43
